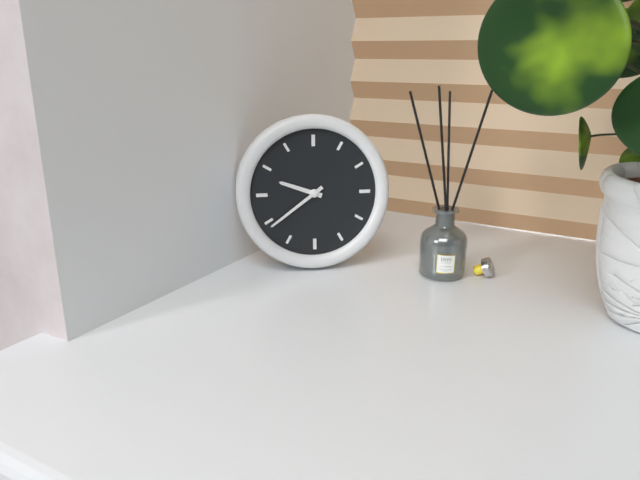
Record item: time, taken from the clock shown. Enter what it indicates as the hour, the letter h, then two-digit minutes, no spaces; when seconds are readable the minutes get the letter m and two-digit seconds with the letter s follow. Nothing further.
9h39
